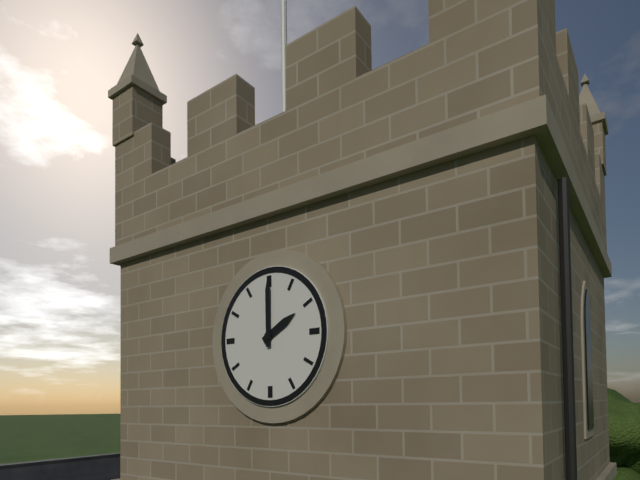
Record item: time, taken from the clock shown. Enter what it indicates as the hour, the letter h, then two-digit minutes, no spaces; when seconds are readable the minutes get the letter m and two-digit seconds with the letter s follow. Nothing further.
2h00
